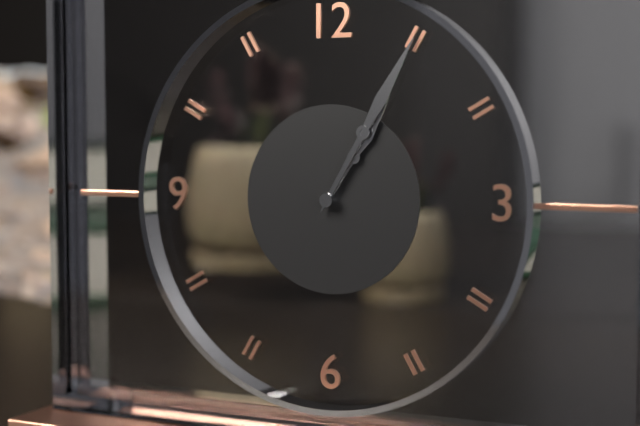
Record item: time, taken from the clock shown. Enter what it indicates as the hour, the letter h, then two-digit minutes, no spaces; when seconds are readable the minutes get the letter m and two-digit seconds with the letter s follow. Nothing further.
1h05
